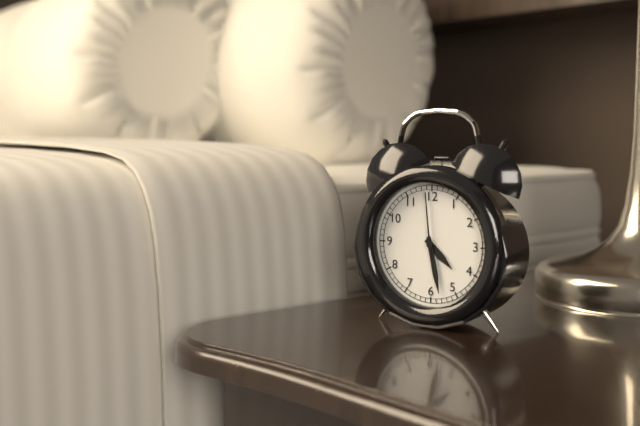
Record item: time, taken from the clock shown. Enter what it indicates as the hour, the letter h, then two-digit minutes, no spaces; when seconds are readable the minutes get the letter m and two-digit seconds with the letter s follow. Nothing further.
4h28m59s
